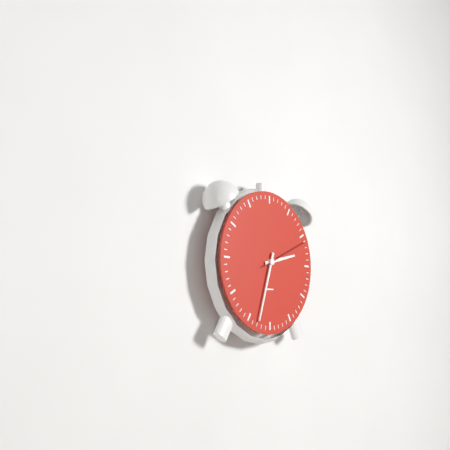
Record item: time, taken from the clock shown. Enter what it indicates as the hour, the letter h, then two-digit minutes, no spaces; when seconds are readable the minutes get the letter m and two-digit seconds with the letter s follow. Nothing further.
2h33m11s
